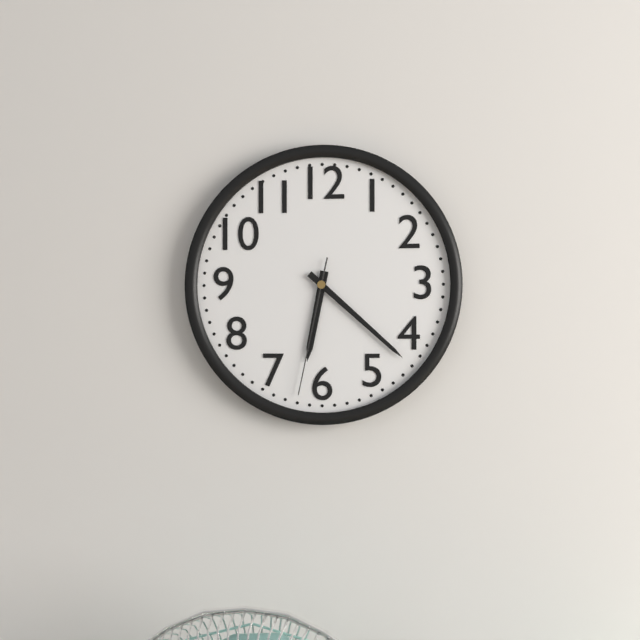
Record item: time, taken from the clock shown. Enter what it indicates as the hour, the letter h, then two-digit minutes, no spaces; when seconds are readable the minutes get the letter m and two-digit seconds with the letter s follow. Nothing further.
6h22m32s
